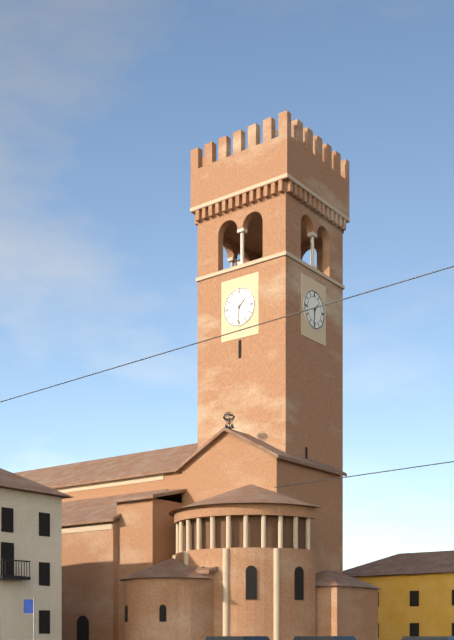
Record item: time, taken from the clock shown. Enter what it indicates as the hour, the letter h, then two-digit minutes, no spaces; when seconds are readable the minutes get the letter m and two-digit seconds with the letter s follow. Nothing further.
1h31
